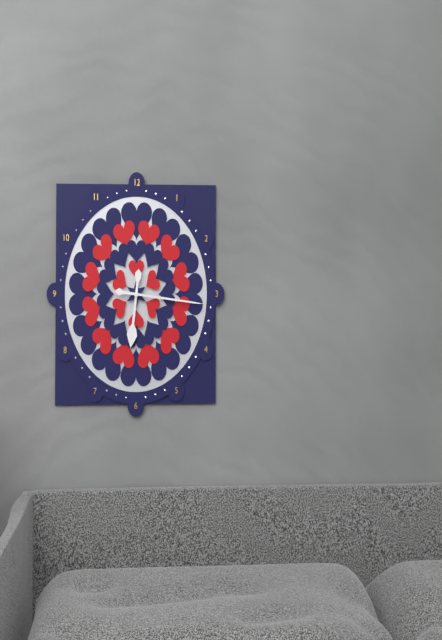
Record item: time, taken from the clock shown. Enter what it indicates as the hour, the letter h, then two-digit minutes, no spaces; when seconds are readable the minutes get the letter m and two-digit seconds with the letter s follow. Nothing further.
6h16
